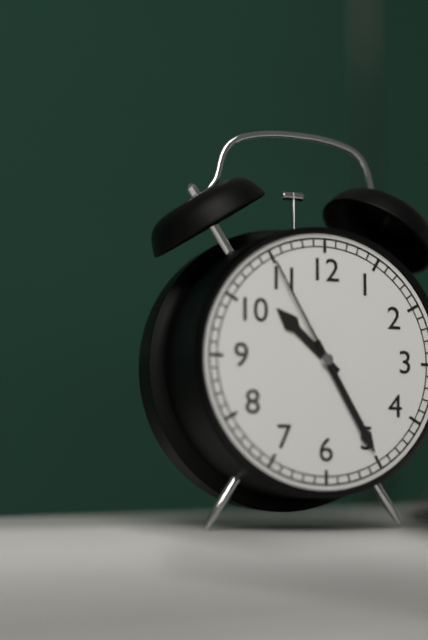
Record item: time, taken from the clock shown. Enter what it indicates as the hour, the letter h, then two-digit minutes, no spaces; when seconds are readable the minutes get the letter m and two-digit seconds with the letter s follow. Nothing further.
10h25m55s
